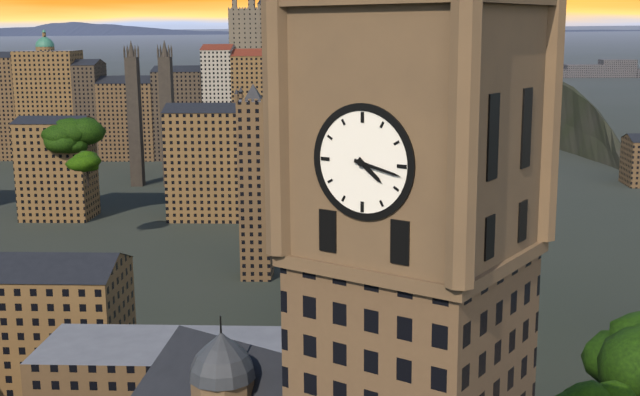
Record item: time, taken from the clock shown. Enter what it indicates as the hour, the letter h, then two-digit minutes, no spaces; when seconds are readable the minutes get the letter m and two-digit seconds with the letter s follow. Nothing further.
4h17
